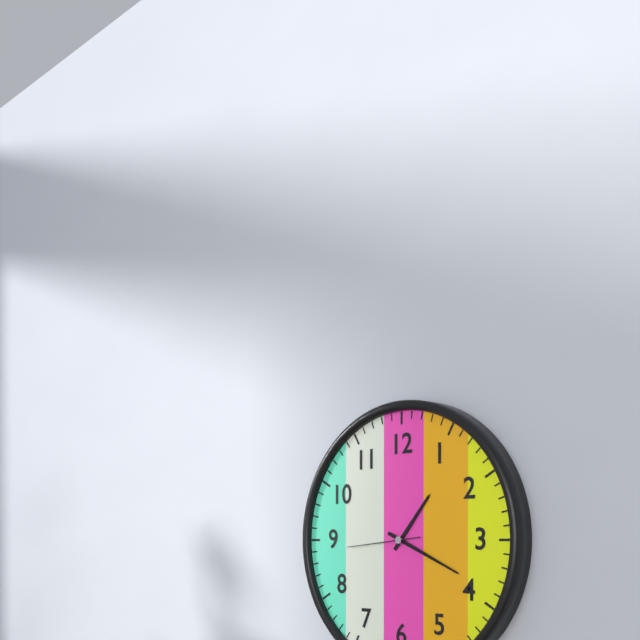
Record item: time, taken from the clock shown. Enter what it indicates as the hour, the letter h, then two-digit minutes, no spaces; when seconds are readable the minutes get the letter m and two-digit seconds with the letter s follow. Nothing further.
1h19m44s
